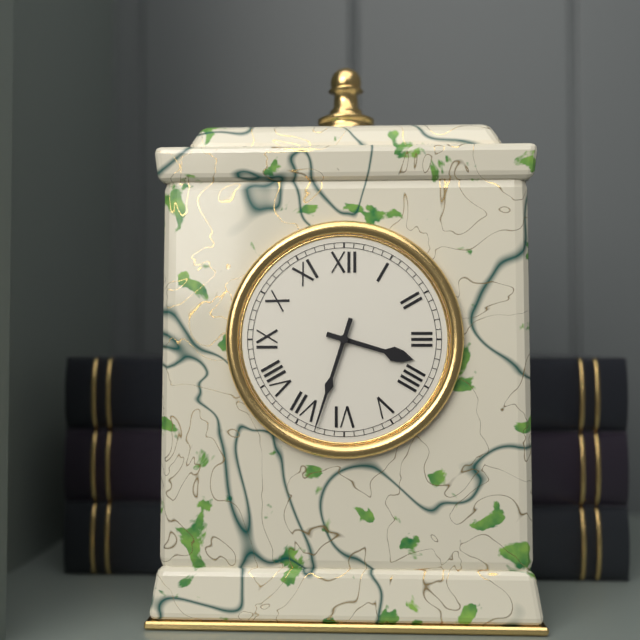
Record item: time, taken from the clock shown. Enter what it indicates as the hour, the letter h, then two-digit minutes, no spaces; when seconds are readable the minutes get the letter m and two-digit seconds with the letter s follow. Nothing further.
3h33
